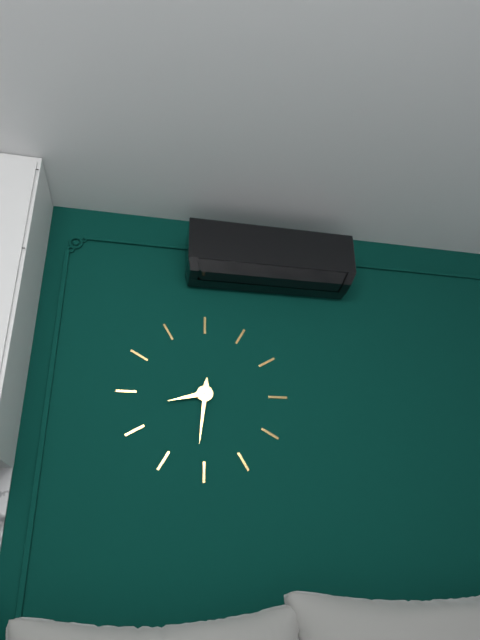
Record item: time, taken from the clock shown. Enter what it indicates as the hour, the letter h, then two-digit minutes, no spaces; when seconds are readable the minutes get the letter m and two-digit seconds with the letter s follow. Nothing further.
8h31
